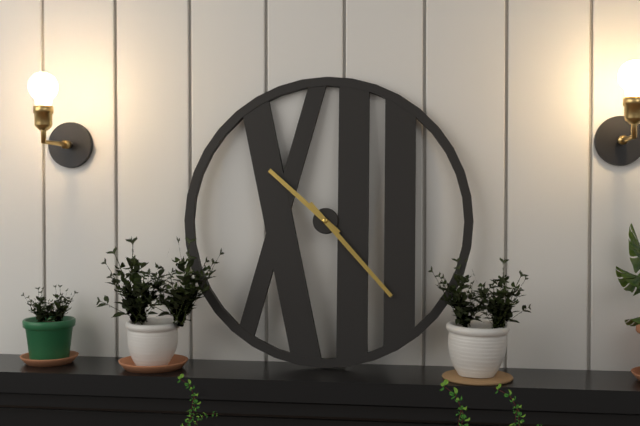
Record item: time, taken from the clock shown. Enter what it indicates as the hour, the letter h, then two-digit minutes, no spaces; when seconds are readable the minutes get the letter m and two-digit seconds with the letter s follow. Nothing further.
10h23
